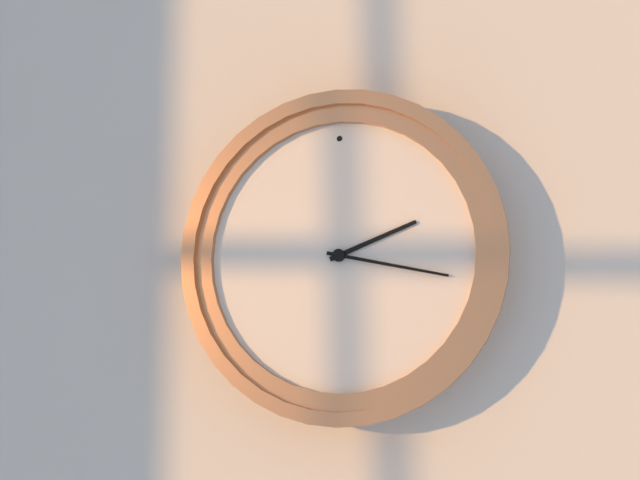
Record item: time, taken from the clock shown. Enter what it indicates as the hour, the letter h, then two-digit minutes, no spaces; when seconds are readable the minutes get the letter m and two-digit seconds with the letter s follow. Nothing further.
2h17
